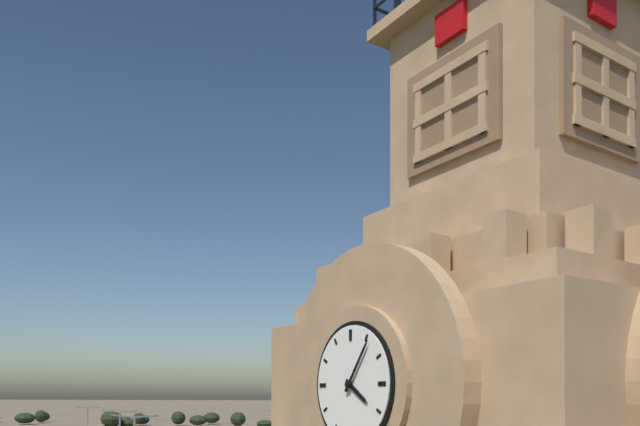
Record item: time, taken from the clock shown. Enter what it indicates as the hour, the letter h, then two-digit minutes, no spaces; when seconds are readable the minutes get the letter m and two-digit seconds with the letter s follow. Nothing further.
4h06
